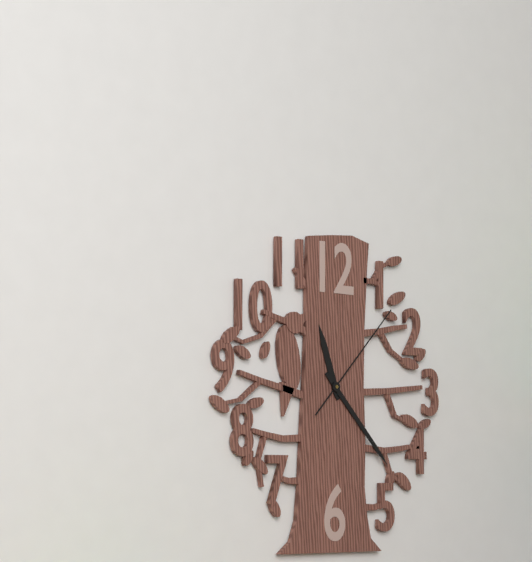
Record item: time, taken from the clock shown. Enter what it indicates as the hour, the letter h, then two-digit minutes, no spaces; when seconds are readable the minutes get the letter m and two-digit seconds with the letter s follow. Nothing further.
11h23m07s
